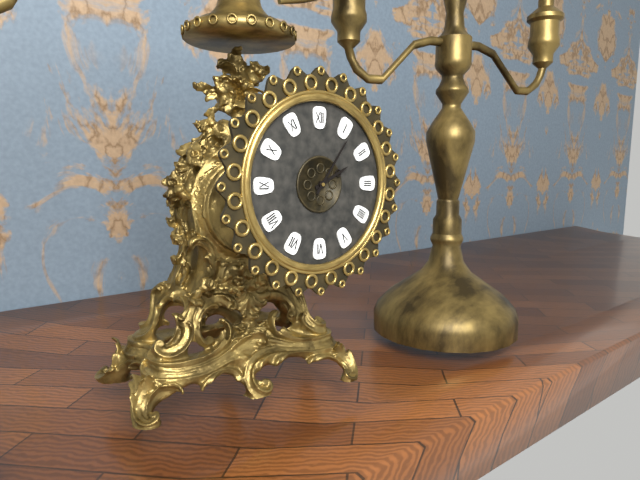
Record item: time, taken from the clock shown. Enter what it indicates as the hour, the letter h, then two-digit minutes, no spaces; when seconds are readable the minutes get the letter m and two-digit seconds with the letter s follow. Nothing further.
2h06
